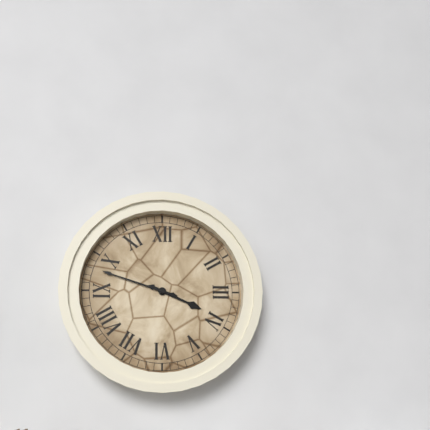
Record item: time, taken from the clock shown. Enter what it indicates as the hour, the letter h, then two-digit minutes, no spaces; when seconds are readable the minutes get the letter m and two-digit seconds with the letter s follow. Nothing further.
3h48
